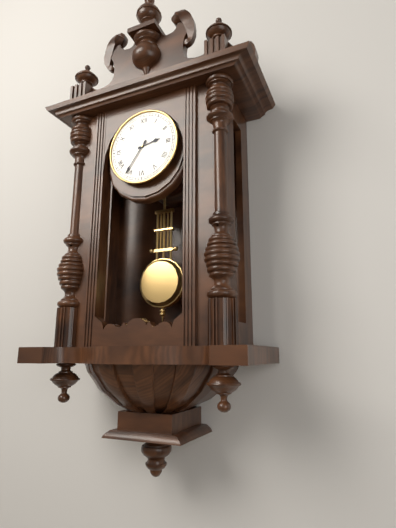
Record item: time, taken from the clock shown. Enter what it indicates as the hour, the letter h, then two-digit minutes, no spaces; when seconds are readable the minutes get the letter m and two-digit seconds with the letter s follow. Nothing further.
2h36
